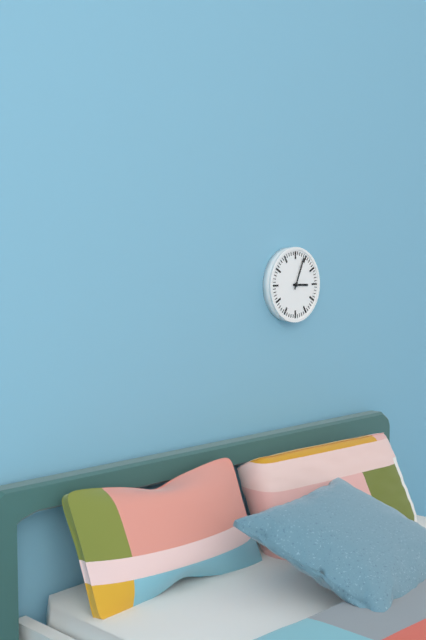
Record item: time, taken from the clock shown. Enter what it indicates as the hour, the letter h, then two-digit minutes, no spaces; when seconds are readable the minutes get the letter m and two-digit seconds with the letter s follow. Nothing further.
3h04
